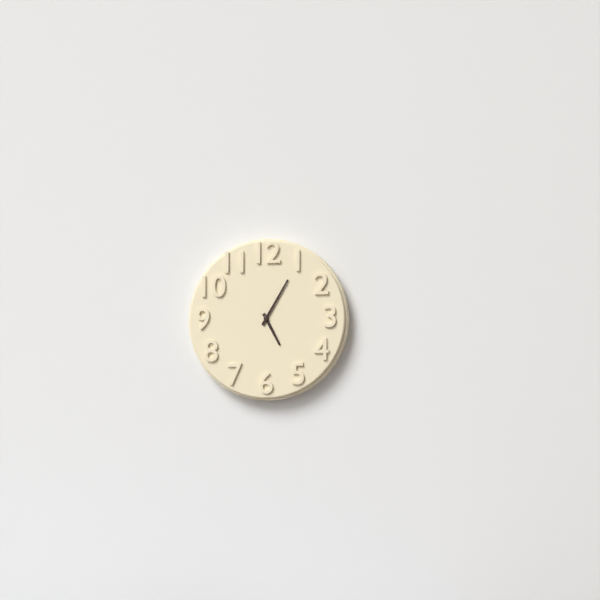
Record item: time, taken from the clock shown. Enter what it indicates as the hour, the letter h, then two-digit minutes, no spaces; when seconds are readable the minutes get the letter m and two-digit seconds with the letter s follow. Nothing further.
5h05
